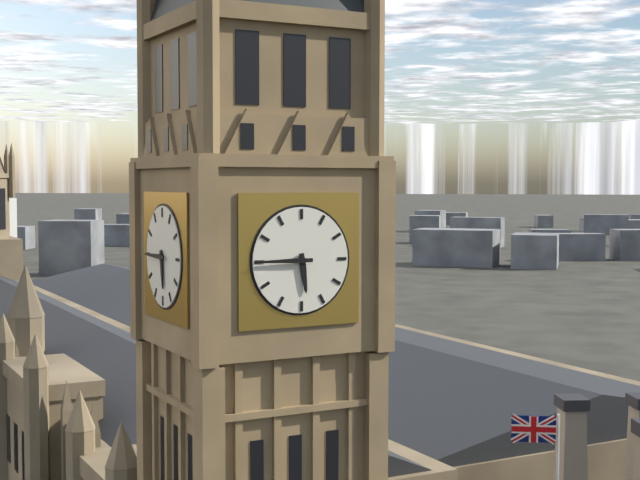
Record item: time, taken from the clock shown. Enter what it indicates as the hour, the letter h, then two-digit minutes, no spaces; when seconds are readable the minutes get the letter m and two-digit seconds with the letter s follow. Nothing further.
5h45
